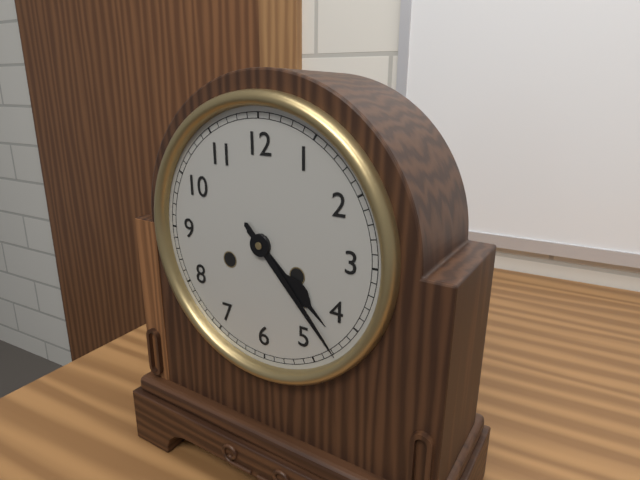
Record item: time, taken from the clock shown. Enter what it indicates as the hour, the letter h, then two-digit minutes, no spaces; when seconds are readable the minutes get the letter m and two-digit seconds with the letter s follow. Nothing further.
4h23
